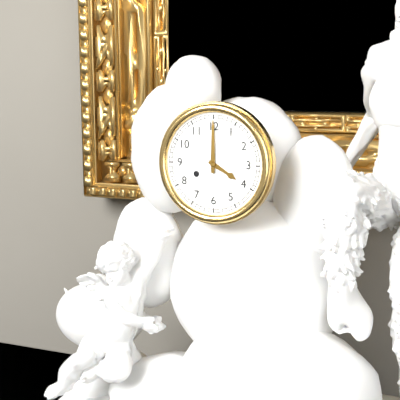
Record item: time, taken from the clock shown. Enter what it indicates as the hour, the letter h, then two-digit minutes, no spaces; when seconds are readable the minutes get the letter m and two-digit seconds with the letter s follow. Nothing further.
4h00
